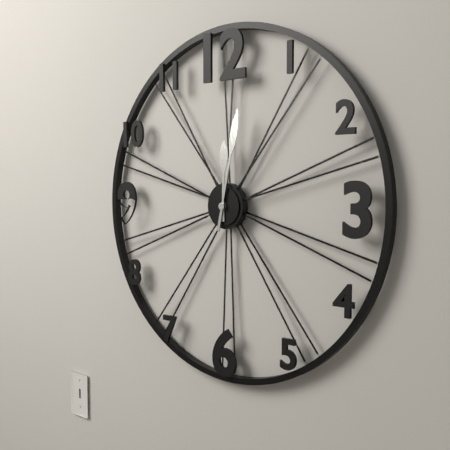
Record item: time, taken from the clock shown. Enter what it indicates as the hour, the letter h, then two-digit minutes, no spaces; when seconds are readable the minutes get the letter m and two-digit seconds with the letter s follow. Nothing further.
12h02
